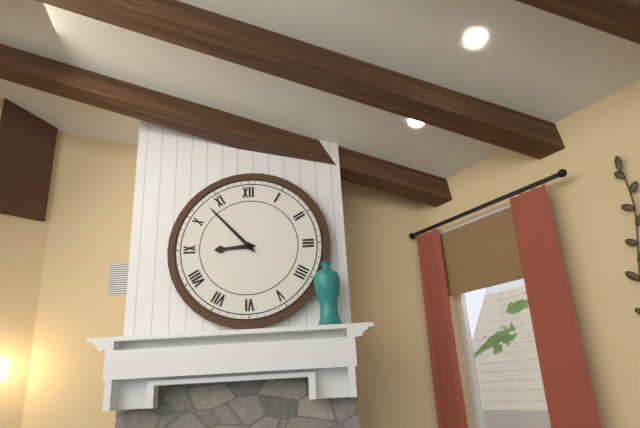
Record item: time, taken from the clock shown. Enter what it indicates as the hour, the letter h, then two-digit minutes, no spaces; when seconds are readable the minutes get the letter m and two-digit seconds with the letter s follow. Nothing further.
8h53
